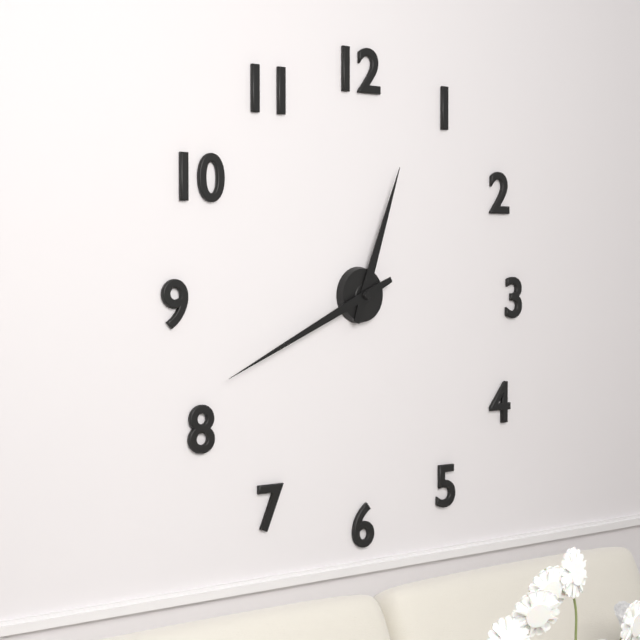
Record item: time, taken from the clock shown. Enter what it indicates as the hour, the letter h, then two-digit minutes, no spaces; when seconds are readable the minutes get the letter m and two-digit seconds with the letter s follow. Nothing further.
12h41
